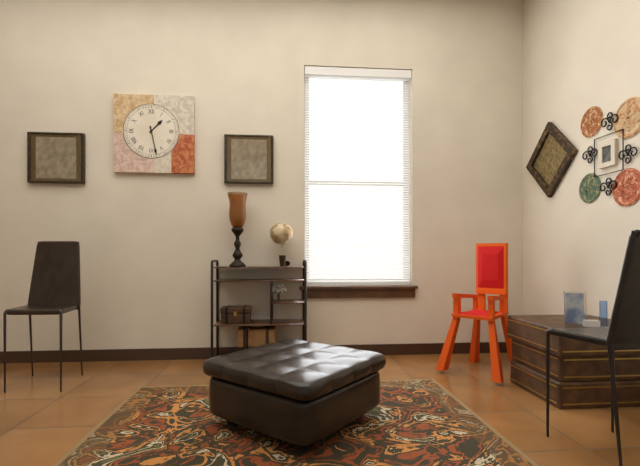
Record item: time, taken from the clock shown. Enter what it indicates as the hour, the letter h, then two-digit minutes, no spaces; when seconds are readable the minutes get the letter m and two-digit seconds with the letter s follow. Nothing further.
1h28
